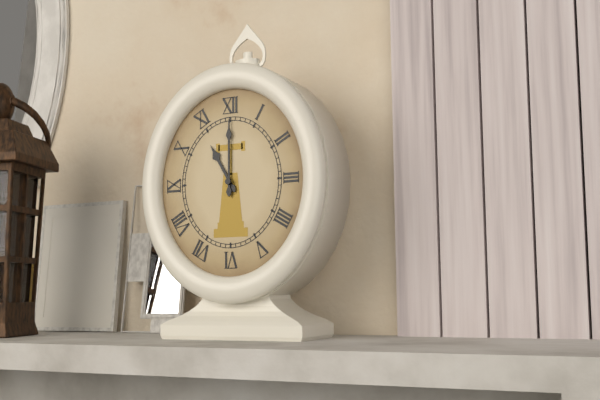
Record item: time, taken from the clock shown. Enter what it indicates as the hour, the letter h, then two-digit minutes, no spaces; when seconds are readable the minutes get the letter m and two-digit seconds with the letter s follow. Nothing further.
11h00
